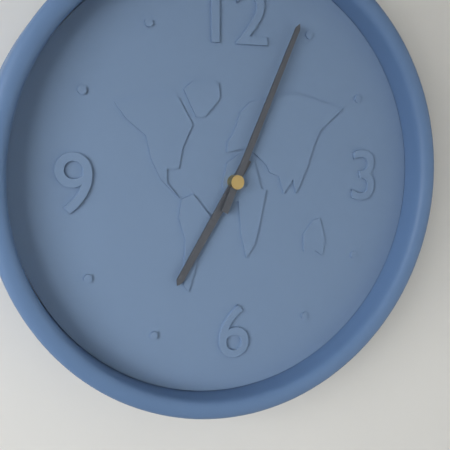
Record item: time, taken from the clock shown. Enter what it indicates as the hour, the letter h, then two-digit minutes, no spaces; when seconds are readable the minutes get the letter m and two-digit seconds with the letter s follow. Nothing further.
7h04
